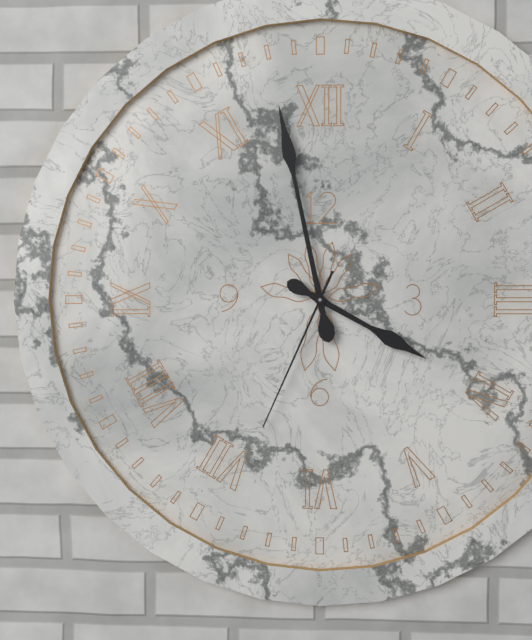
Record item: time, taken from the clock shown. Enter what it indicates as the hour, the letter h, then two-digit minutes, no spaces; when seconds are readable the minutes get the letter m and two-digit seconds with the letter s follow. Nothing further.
3h58m34s
